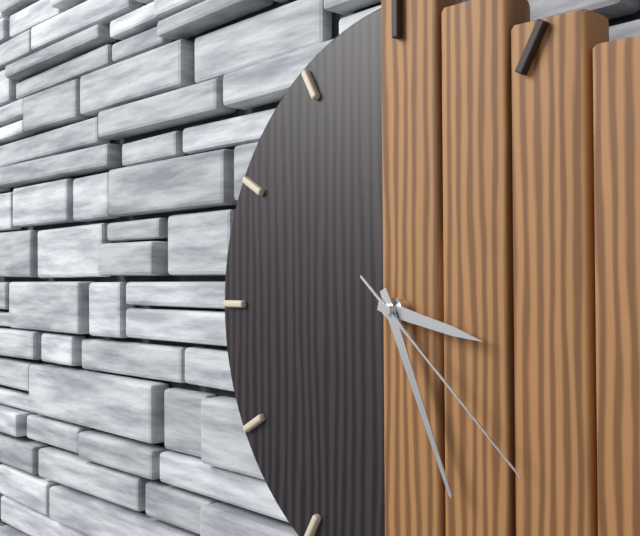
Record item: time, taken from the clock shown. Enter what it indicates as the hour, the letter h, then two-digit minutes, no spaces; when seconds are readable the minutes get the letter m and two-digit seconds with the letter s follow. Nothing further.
3h26m22s
